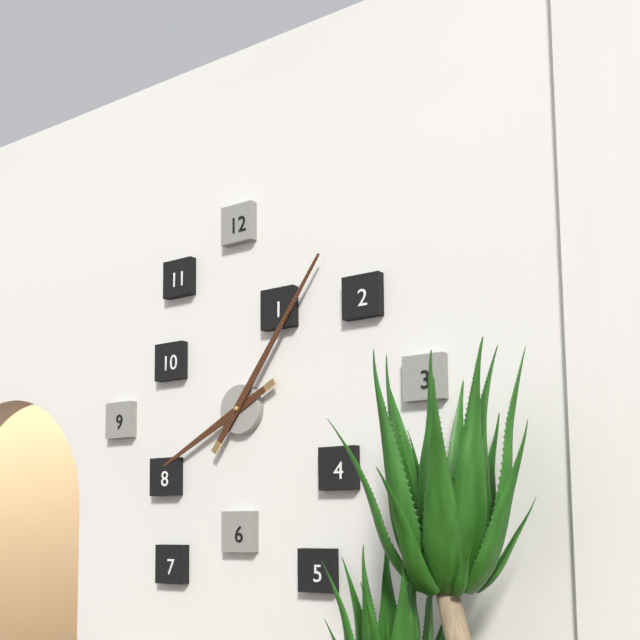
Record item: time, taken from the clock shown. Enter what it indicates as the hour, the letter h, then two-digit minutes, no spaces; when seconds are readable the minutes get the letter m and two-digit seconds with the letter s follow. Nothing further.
8h06
